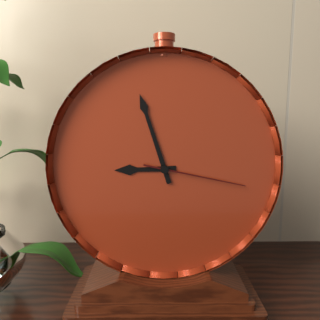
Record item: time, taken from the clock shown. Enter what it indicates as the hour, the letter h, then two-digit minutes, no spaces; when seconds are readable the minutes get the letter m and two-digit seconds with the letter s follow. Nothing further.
8h57m17s
